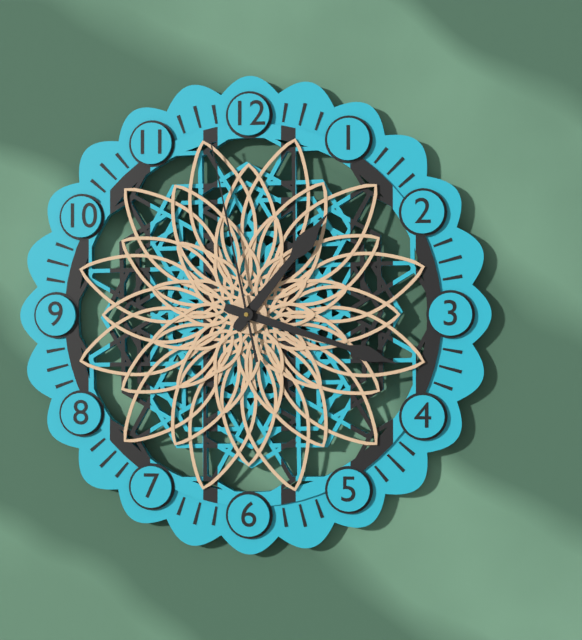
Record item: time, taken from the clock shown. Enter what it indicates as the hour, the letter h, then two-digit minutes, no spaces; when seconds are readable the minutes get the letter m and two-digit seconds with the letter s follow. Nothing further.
1h18m58s
